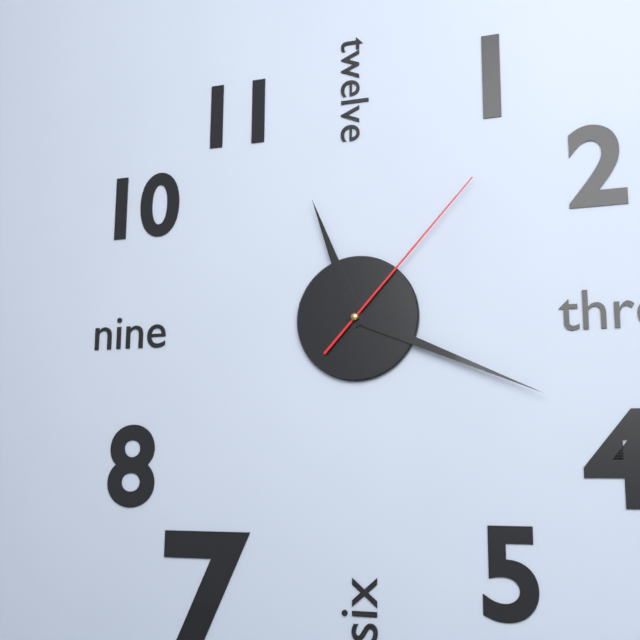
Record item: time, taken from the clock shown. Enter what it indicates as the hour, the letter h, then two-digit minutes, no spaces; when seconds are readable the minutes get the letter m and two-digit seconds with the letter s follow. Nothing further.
11h19m07s
